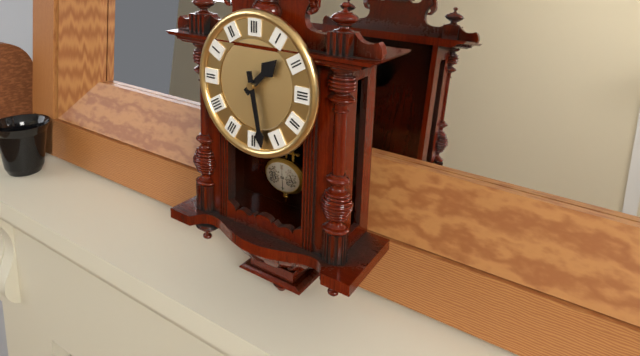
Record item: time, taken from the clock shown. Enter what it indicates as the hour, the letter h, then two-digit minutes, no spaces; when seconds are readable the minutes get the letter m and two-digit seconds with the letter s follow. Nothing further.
1h28
